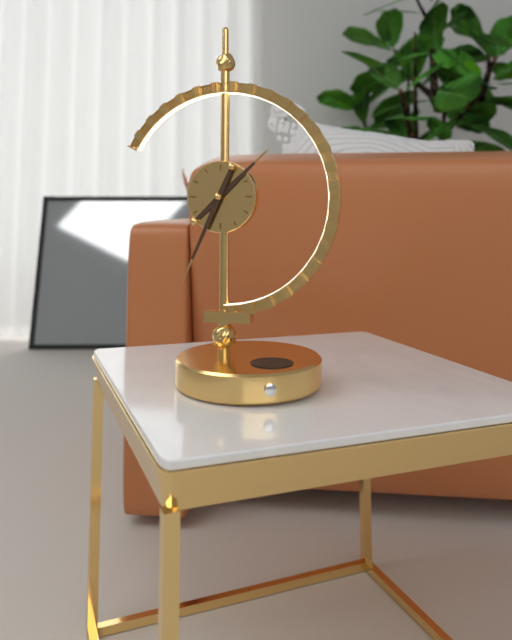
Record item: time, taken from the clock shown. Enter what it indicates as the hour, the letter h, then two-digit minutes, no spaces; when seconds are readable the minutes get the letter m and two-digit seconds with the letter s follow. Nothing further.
1h34
